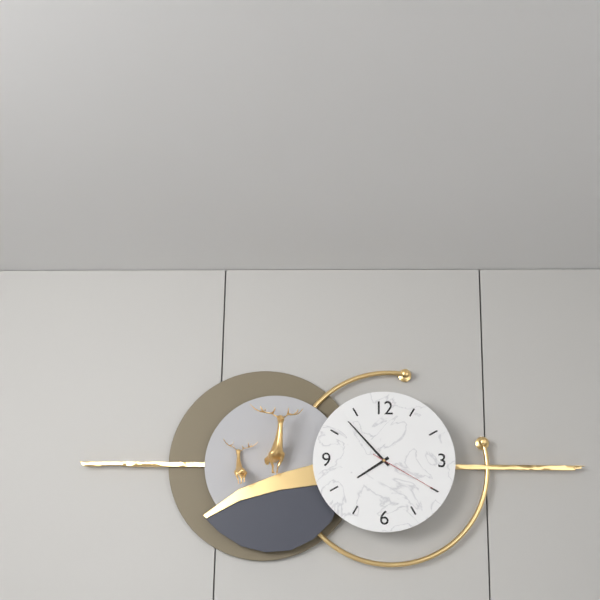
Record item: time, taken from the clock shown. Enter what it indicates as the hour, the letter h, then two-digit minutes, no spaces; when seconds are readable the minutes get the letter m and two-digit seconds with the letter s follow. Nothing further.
7h53m20s
